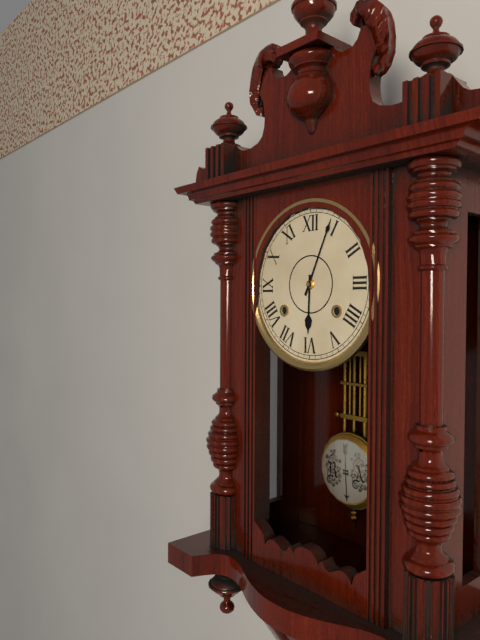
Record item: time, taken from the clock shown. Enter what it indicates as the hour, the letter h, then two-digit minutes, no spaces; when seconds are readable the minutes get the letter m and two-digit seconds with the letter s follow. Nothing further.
6h04
